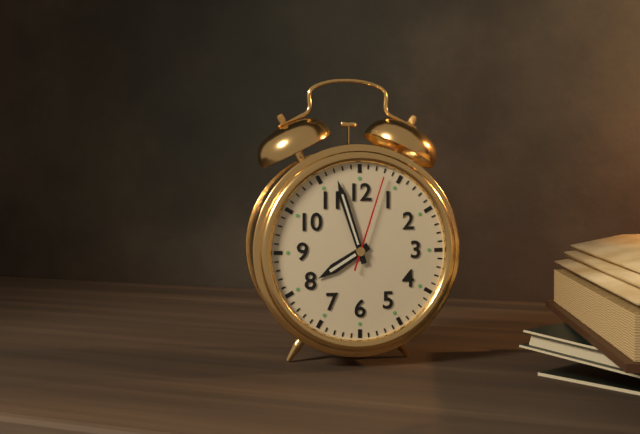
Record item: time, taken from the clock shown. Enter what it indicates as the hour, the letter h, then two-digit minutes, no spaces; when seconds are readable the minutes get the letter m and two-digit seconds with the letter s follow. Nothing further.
7h57m03s
